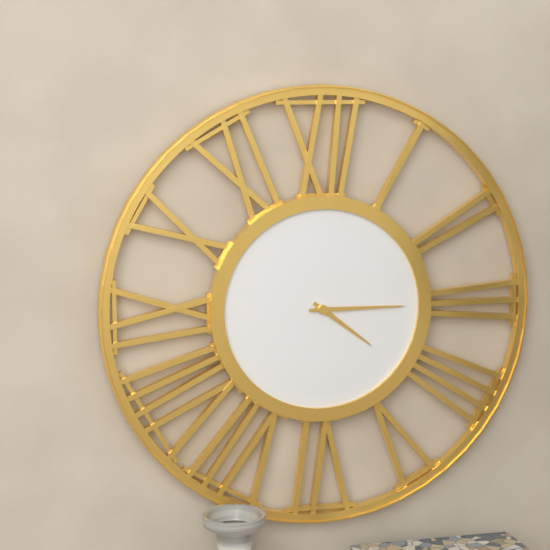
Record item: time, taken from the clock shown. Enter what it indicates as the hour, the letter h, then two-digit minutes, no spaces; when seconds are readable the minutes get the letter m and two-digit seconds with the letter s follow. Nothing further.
4h15
